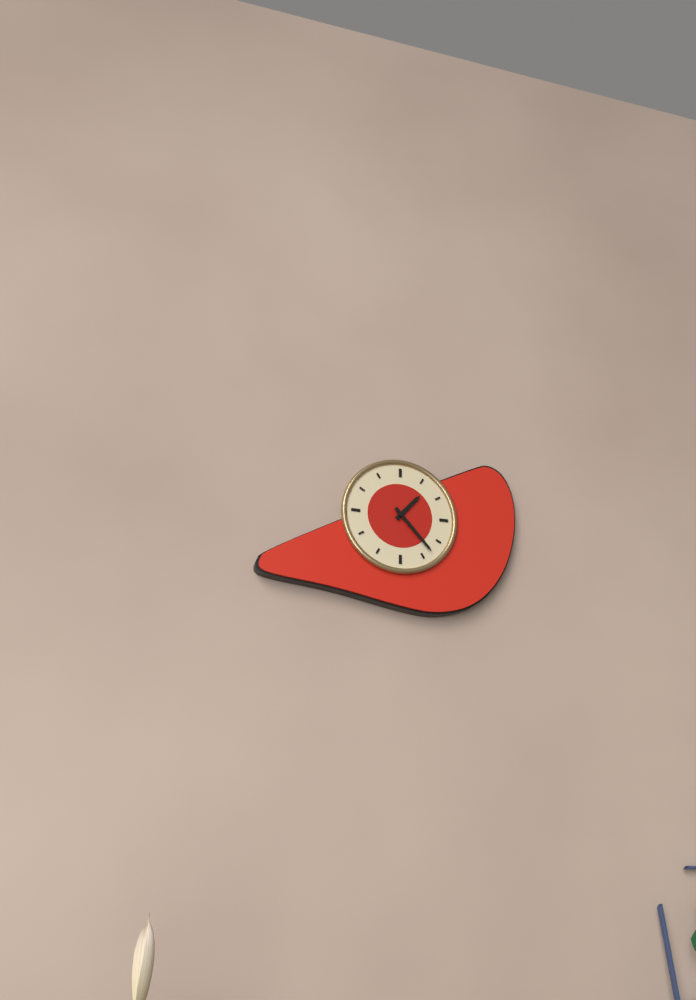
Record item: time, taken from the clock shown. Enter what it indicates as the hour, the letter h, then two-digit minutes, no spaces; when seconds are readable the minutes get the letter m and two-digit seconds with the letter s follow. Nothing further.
1h23
